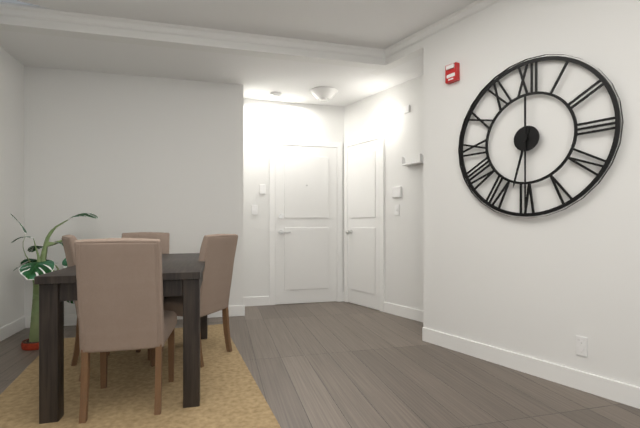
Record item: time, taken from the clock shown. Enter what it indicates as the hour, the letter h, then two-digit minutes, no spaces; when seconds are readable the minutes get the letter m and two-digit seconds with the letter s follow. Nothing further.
6h30
